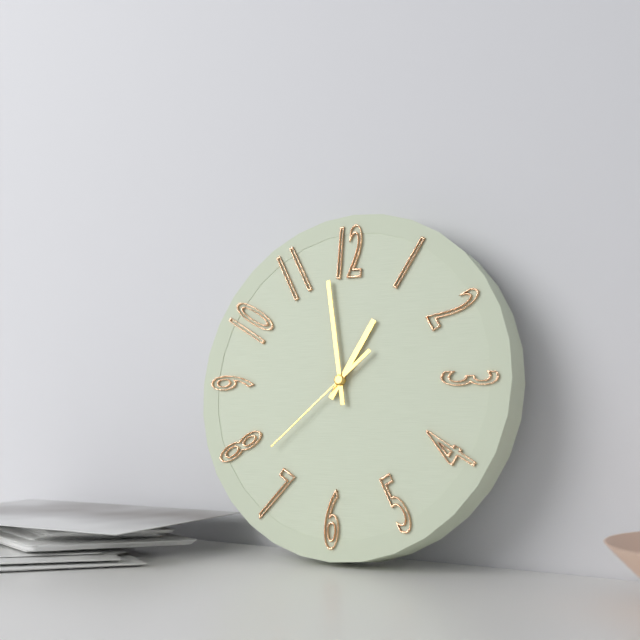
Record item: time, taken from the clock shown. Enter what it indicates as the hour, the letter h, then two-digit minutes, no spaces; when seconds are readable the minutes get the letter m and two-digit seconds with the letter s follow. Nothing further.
12h58m38s
